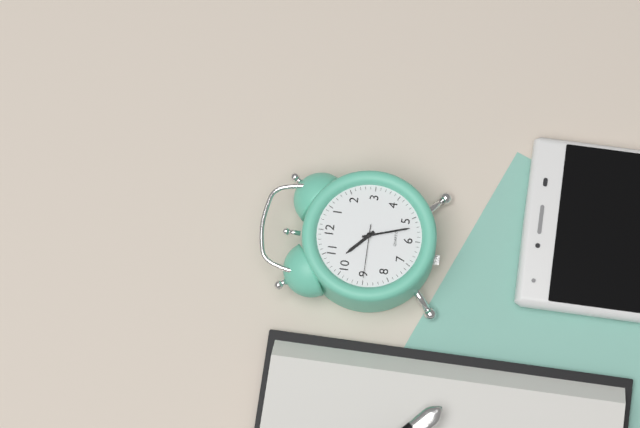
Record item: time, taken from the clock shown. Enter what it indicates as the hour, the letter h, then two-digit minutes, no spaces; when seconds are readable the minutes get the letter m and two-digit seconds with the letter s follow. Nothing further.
10h27m45s
